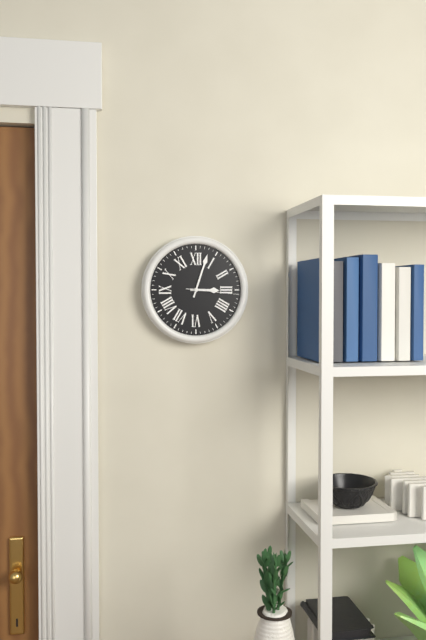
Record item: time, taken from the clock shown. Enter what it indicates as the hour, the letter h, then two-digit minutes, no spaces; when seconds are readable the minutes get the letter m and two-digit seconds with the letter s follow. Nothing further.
3h03m16s
